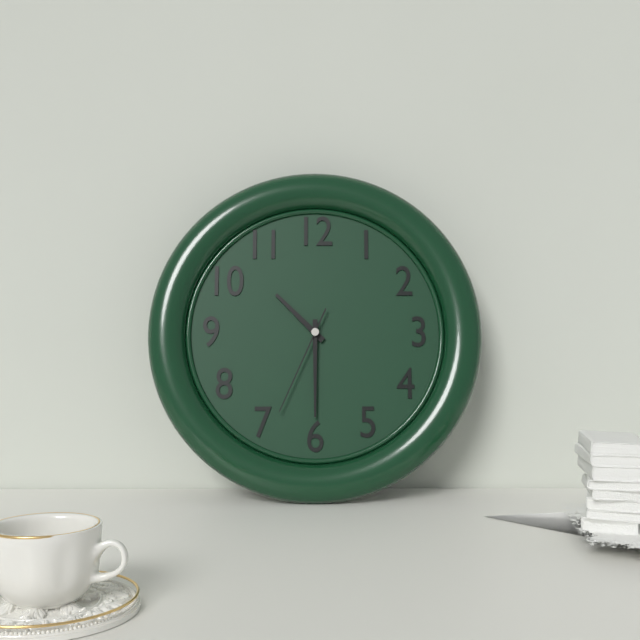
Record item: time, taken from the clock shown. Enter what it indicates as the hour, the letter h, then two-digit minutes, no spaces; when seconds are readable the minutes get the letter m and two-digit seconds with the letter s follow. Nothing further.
10h30m34s
